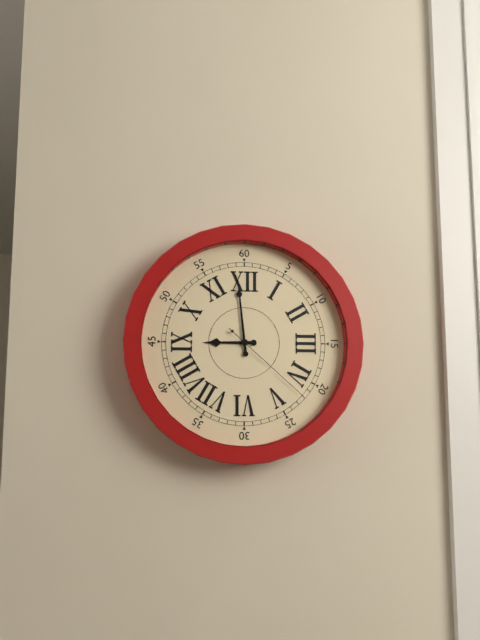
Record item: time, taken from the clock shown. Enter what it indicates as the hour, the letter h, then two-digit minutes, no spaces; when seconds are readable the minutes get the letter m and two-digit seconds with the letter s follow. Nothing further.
8h59m22s
